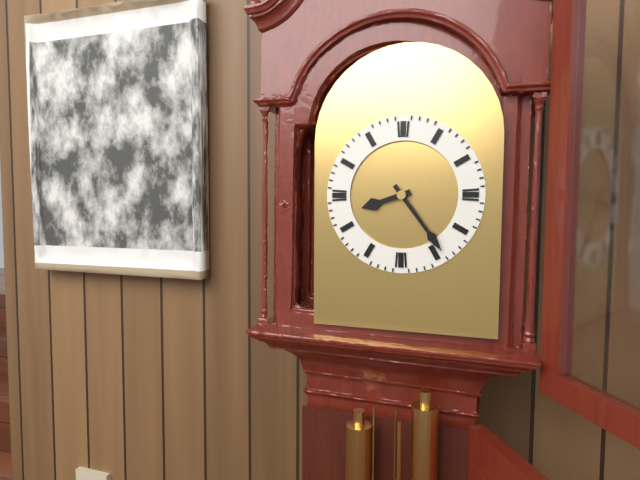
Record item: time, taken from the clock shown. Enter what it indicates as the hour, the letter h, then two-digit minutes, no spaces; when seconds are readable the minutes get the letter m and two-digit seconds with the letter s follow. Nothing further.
8h24
